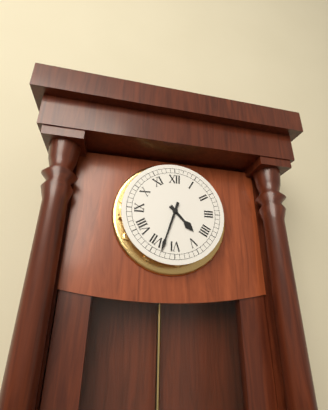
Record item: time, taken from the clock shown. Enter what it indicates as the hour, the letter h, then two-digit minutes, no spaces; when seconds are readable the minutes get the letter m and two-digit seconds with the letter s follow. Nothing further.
4h33
